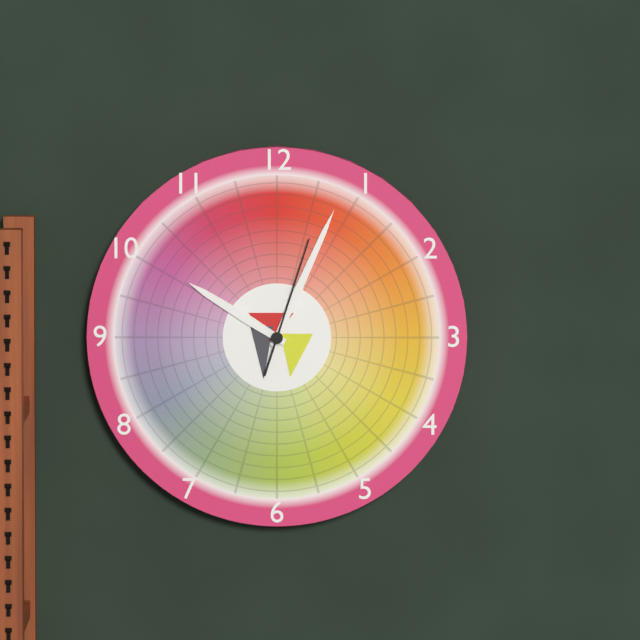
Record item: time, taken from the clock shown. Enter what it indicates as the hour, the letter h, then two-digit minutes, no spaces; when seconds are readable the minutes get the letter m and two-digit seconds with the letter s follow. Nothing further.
10h04m03s
